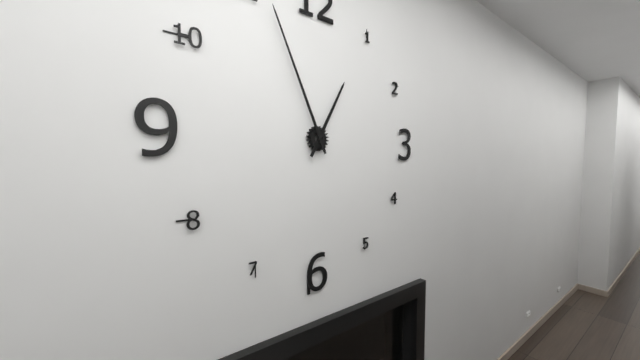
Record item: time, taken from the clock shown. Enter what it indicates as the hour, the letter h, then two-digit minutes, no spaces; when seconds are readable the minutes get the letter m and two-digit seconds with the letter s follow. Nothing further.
12h56
